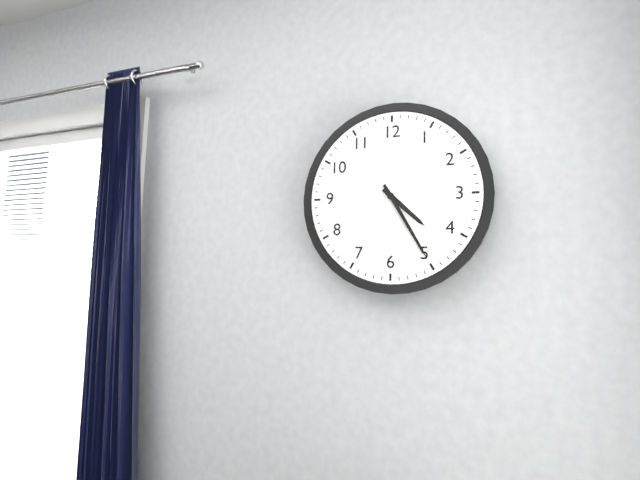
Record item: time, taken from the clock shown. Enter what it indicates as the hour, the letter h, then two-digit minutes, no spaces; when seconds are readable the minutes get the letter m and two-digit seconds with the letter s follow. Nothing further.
4h25
